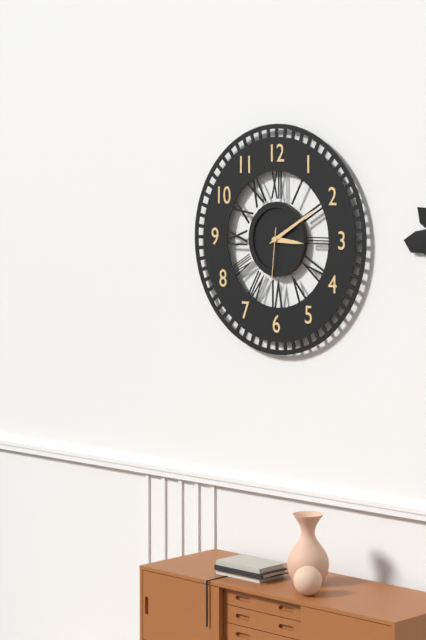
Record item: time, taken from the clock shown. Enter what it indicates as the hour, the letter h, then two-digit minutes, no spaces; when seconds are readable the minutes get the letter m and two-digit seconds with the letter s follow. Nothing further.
3h10m31s
